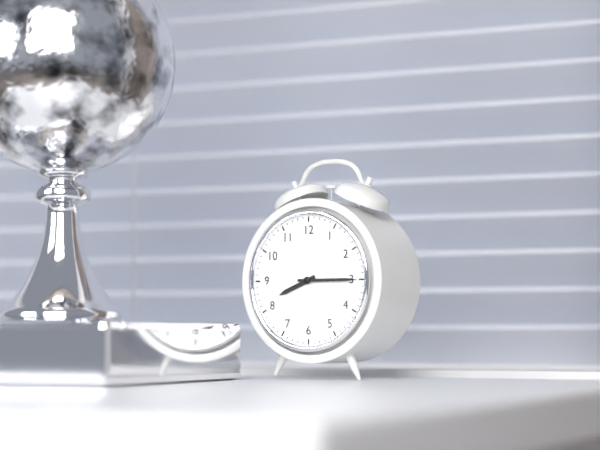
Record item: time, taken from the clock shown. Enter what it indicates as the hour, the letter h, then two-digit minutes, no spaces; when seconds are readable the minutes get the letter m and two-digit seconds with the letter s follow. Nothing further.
8h15
